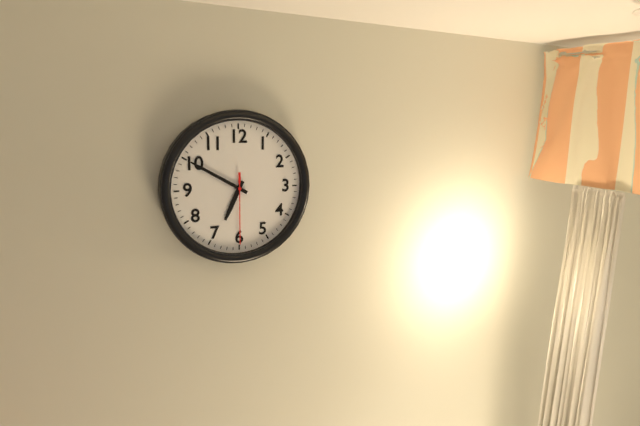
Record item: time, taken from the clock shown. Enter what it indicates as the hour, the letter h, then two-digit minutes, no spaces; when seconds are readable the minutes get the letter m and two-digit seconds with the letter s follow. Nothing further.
6h50m30s
